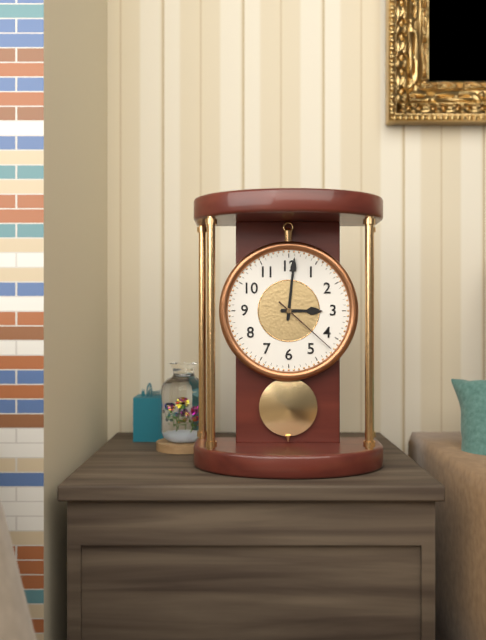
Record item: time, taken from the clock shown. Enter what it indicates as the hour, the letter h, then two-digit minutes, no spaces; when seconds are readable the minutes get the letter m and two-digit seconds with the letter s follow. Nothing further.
3h01m22s
